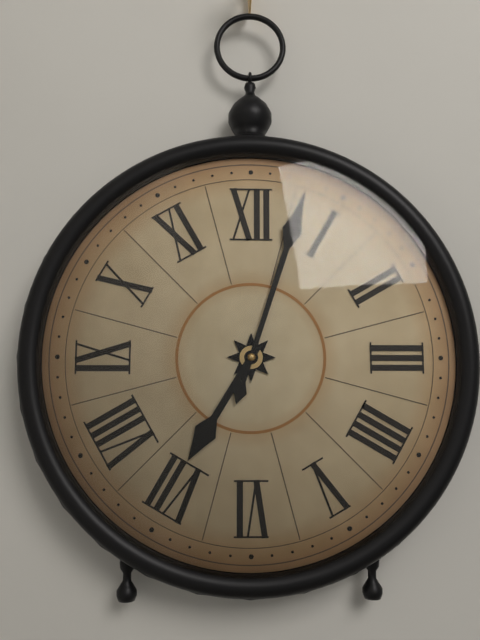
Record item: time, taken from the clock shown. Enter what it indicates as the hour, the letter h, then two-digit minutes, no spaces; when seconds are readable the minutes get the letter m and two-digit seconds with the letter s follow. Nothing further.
7h03
